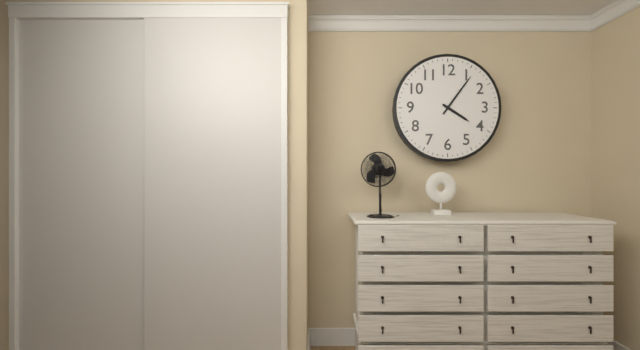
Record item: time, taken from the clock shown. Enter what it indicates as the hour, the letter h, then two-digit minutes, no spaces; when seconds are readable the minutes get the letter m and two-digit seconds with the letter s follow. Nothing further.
4h06
